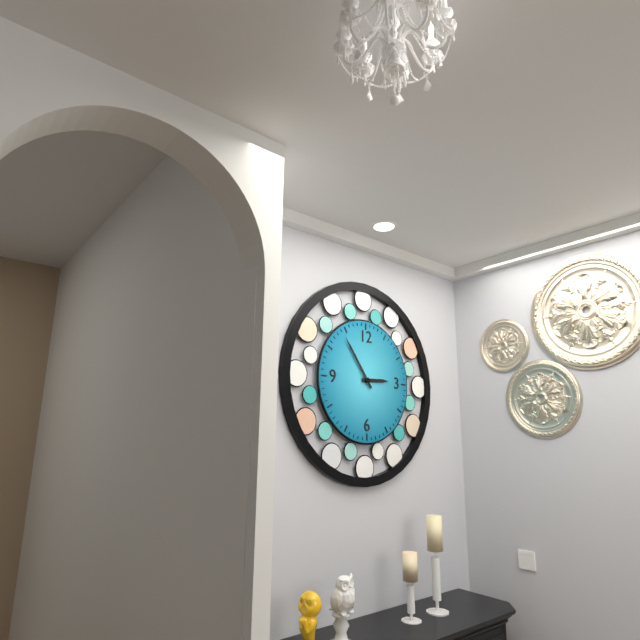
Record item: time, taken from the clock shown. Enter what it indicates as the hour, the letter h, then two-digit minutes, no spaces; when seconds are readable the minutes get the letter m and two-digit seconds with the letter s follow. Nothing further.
2h54
